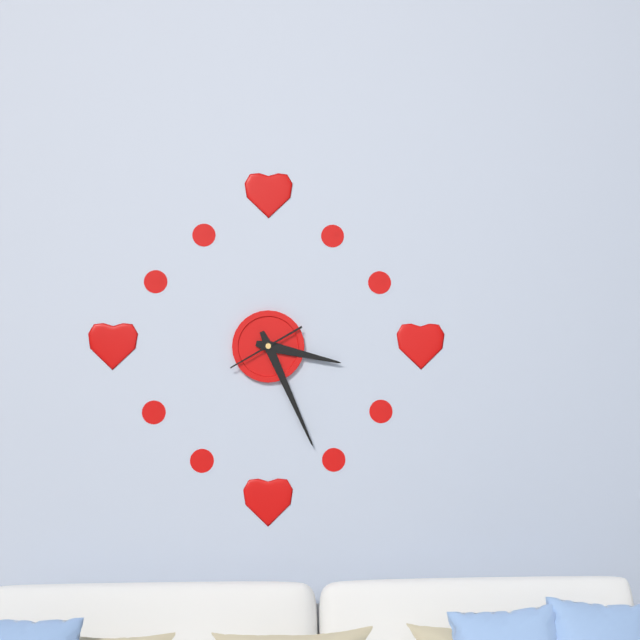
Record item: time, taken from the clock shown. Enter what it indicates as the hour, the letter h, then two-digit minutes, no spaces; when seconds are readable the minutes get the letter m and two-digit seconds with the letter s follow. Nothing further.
3h26m40s
